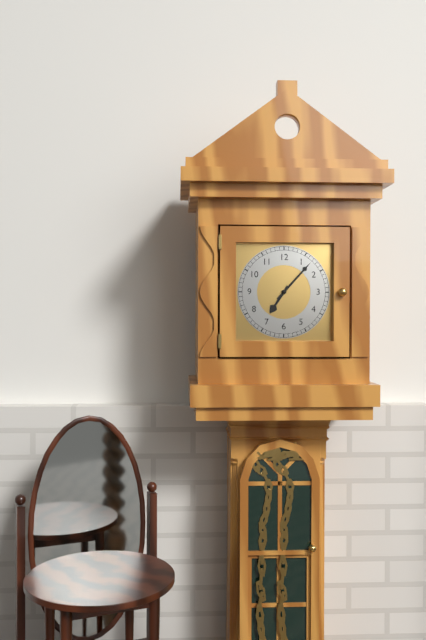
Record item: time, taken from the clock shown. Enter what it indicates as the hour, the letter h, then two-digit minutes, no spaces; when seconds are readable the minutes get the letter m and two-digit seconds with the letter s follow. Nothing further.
7h07
